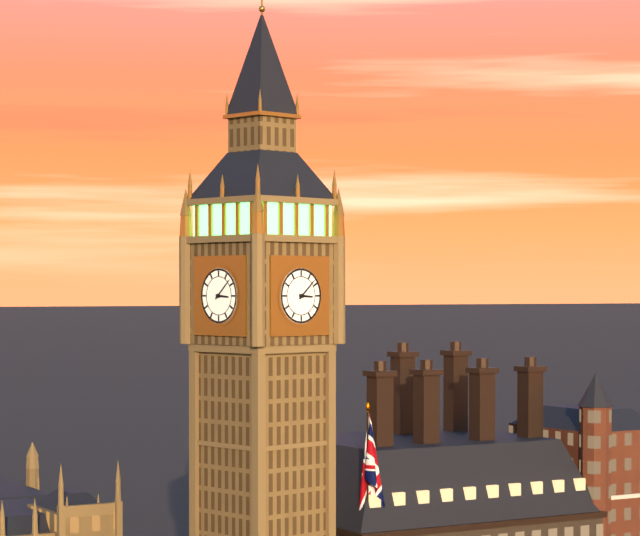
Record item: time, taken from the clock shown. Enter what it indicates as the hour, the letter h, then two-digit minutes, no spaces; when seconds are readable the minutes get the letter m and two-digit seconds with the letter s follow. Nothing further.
3h08
